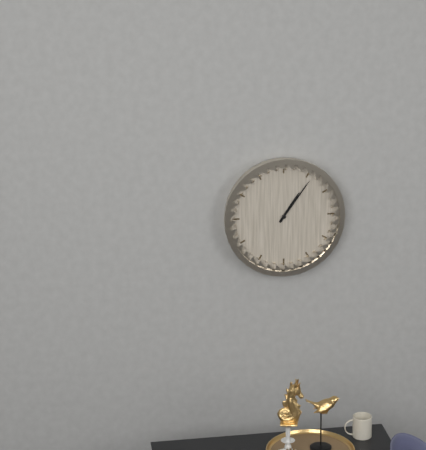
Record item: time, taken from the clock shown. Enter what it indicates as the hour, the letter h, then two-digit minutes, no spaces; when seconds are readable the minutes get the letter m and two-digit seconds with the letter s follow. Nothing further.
1h06
